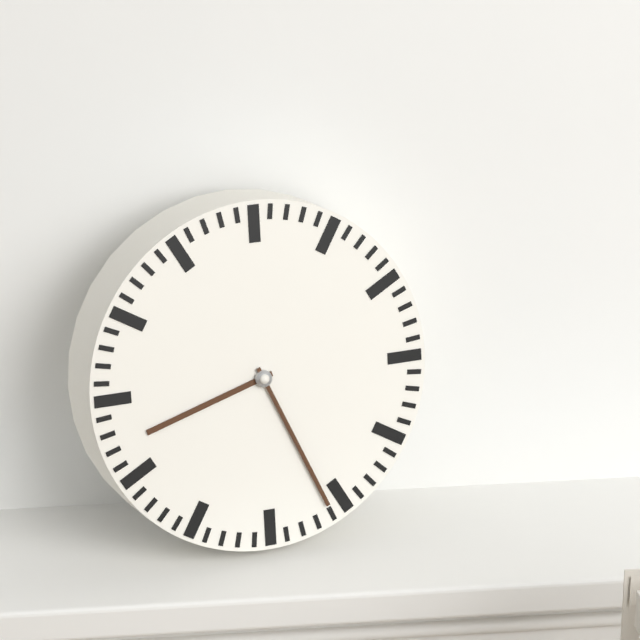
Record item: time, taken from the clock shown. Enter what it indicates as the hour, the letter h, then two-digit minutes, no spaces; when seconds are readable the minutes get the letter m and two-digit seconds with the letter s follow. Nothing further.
8h26
